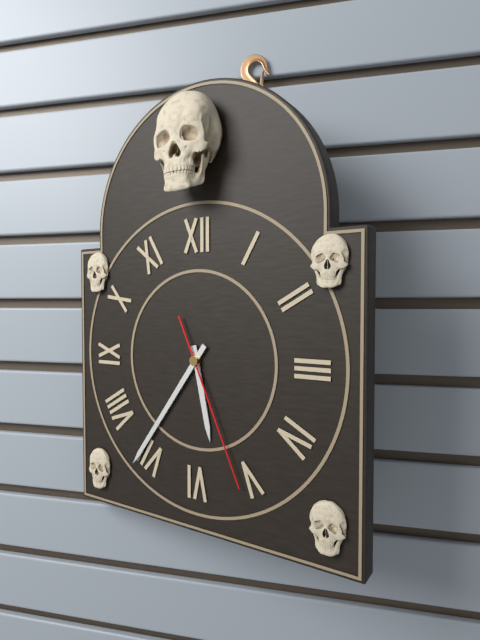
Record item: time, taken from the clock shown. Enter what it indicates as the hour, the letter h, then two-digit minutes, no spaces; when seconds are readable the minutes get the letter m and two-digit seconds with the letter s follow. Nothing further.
5h36m26s
